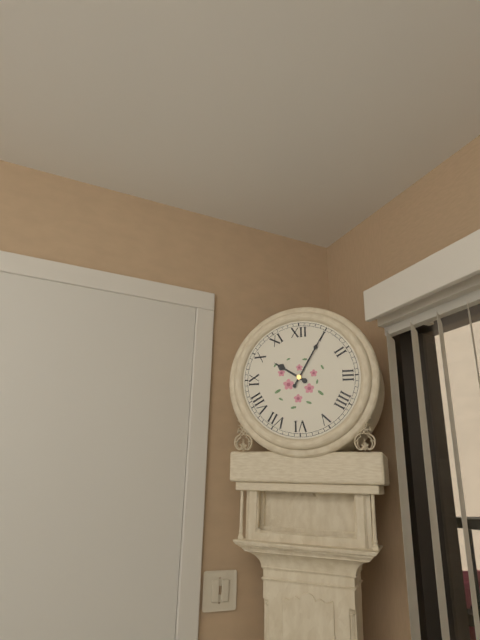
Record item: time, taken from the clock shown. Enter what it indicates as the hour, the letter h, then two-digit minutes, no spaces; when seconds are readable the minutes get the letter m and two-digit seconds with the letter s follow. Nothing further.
10h05
